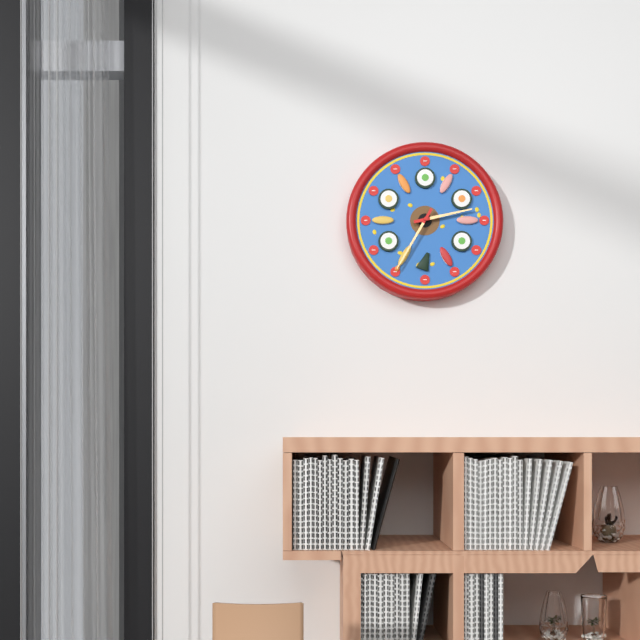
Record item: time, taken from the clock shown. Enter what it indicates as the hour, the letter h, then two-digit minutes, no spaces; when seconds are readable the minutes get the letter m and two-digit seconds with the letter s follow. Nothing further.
2h35
